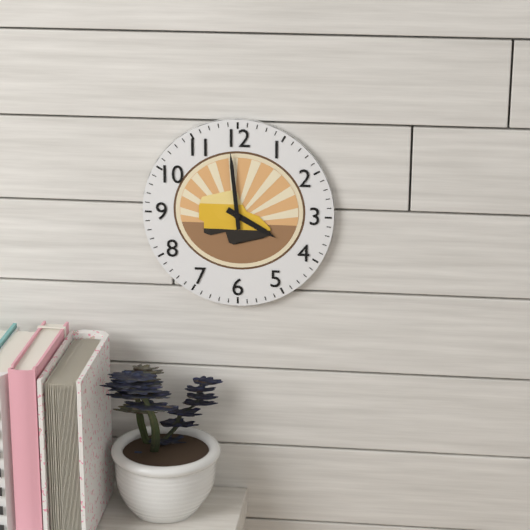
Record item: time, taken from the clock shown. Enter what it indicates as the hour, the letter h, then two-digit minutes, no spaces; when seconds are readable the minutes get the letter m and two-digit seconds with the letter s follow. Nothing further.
3h59
